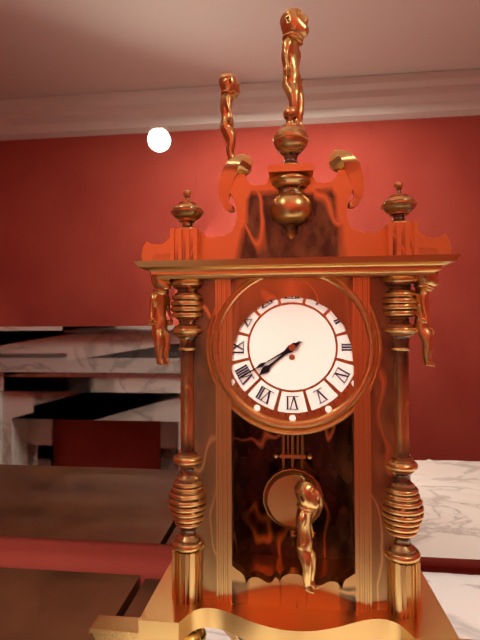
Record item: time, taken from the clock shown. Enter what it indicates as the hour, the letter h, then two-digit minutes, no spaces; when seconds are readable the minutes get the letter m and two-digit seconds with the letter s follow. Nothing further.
7h40
